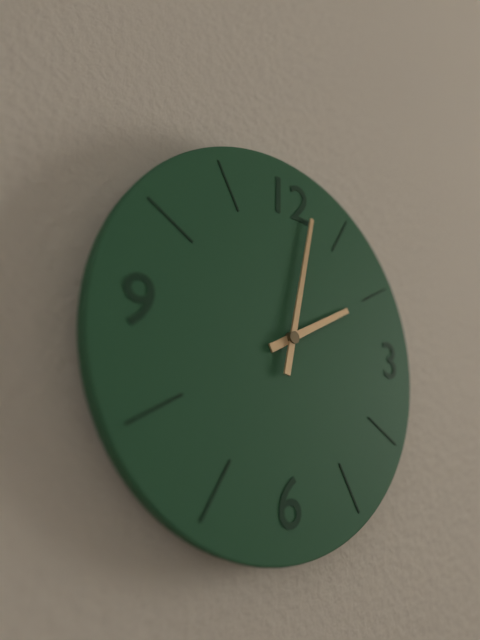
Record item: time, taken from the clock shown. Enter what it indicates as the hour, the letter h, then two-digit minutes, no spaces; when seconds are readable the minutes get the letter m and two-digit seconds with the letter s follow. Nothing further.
2h02
